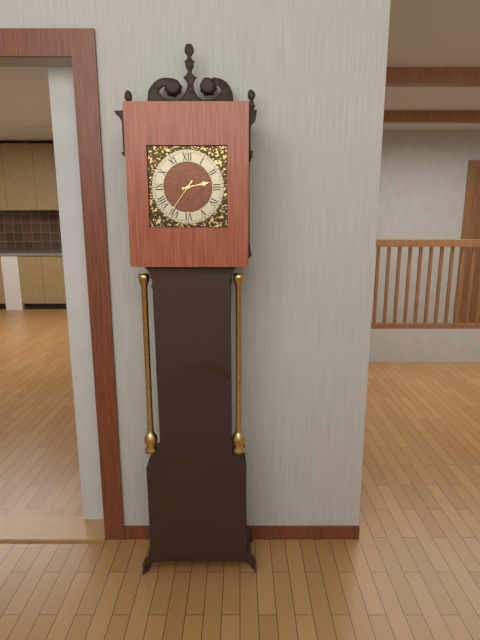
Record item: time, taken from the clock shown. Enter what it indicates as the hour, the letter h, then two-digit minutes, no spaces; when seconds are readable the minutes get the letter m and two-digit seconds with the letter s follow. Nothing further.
2h36
